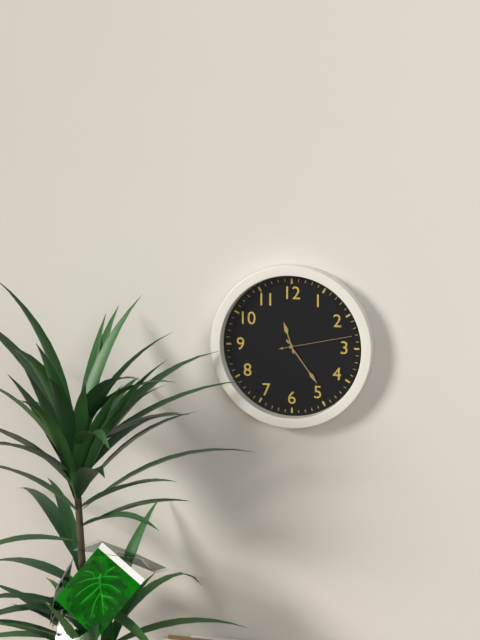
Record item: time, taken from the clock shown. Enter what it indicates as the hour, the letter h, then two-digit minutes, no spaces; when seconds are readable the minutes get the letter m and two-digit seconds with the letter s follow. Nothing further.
11h24m13s
